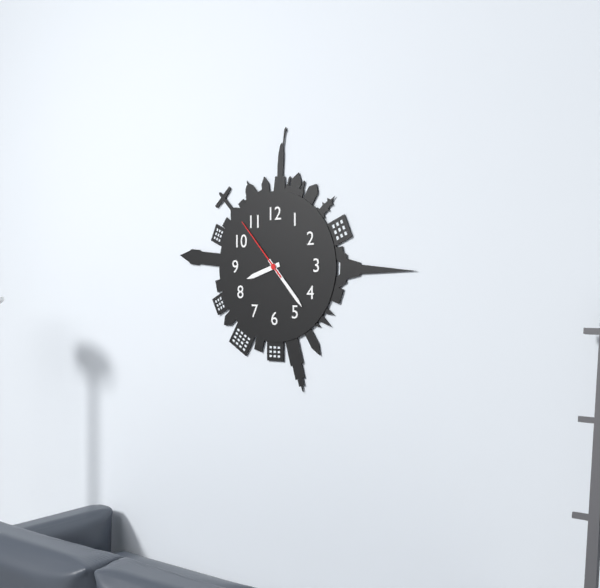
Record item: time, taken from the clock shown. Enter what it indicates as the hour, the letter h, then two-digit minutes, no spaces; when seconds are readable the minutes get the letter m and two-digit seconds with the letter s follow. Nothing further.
8h23m53s
